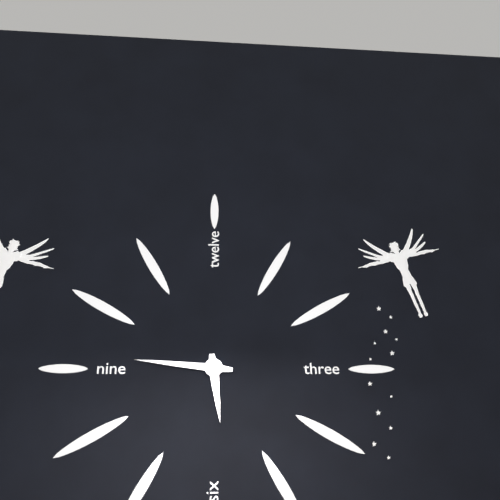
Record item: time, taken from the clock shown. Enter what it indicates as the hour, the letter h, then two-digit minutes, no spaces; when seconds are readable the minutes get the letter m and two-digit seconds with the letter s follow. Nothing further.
5h46
